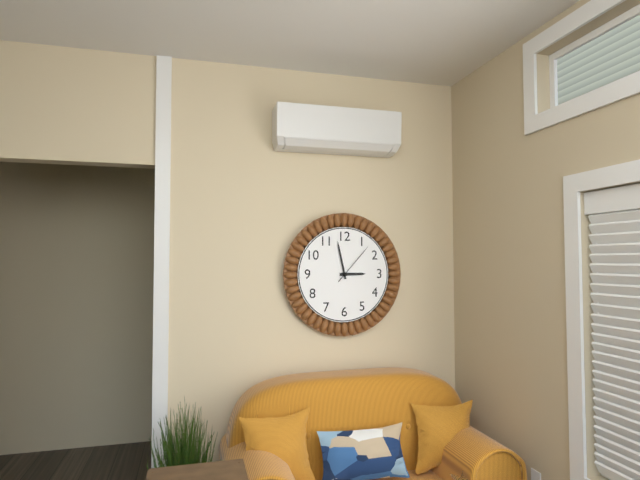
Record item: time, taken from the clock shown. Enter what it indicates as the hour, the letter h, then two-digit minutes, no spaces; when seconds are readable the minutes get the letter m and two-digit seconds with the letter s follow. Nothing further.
2h58
